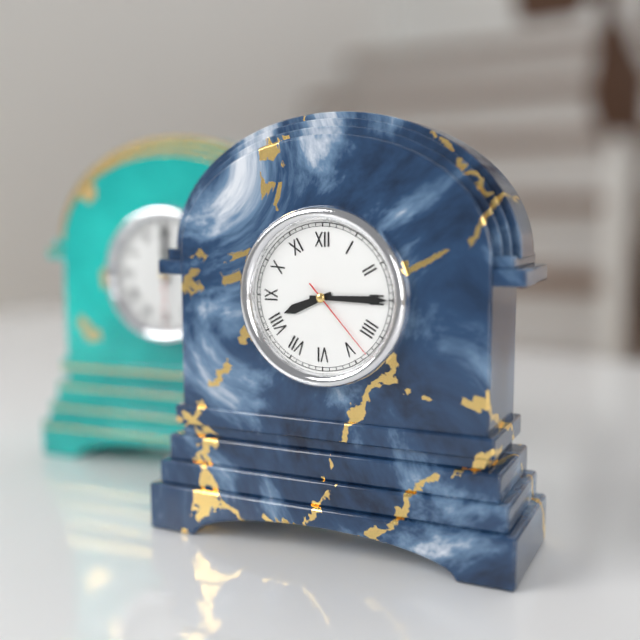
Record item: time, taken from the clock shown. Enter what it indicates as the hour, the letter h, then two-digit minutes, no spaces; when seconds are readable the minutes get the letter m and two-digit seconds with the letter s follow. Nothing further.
8h15m23s
